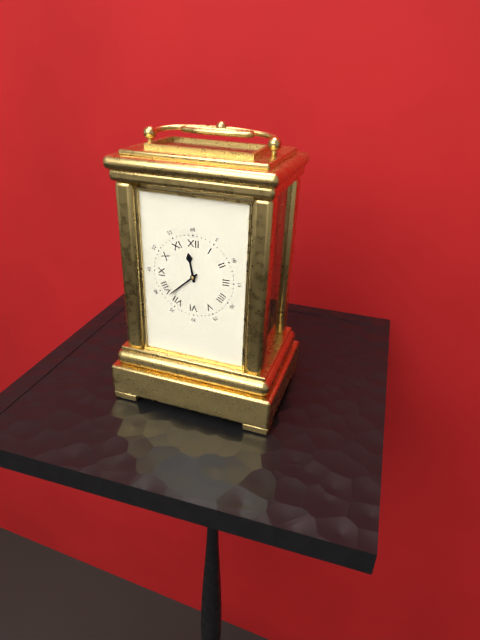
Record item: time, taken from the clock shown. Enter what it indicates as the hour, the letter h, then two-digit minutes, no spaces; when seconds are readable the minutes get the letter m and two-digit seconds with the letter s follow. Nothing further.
11h38
